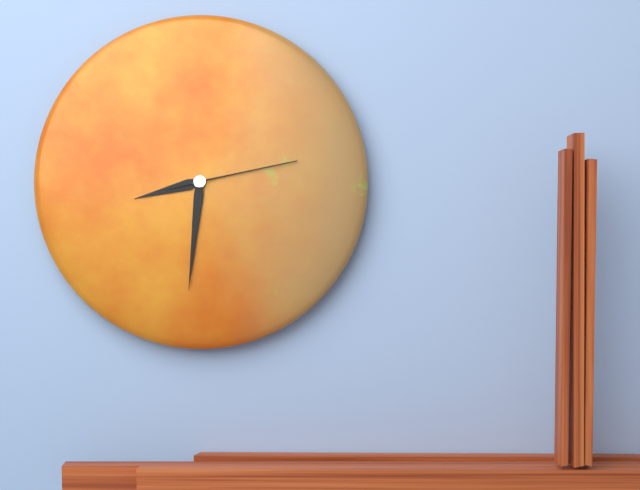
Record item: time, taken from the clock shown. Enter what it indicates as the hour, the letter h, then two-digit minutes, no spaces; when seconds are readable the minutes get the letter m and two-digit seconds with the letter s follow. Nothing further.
8h31m13s
